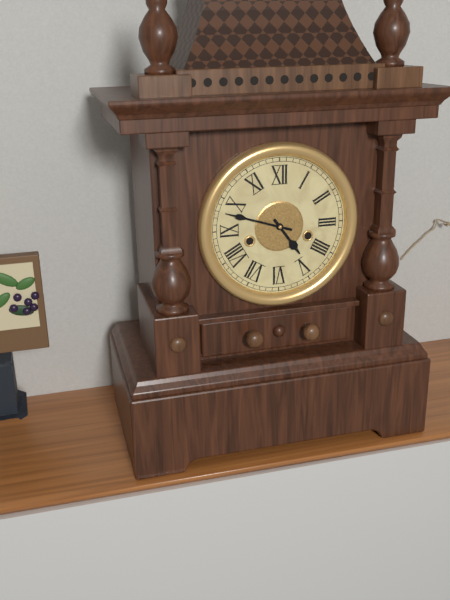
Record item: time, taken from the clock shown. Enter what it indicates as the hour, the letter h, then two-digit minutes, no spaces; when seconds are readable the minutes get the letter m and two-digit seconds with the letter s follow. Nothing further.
4h48
